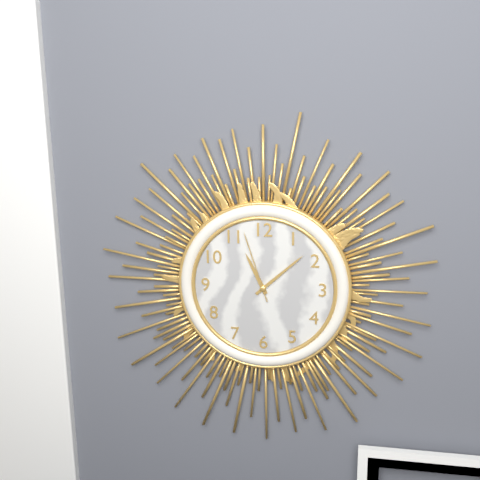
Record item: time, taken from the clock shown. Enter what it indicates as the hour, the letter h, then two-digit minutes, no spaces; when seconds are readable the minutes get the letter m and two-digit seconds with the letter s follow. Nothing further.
11h08m57s
